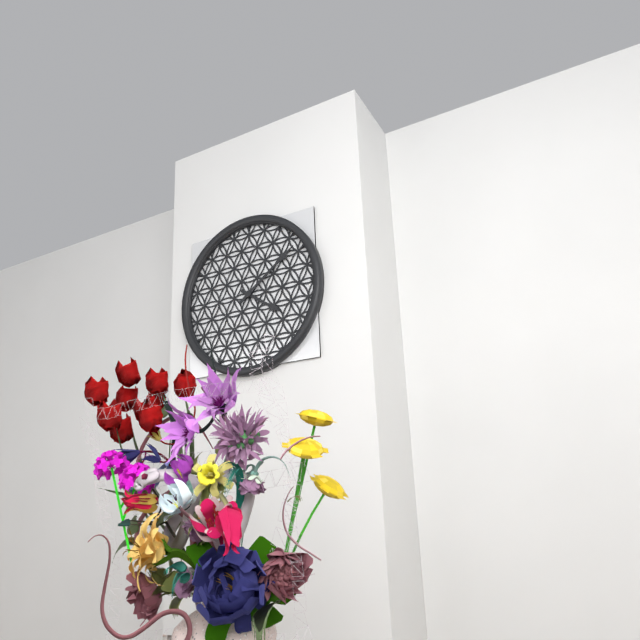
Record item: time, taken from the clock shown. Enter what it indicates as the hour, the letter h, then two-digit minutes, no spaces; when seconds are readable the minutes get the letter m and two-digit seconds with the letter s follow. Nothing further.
4h09
